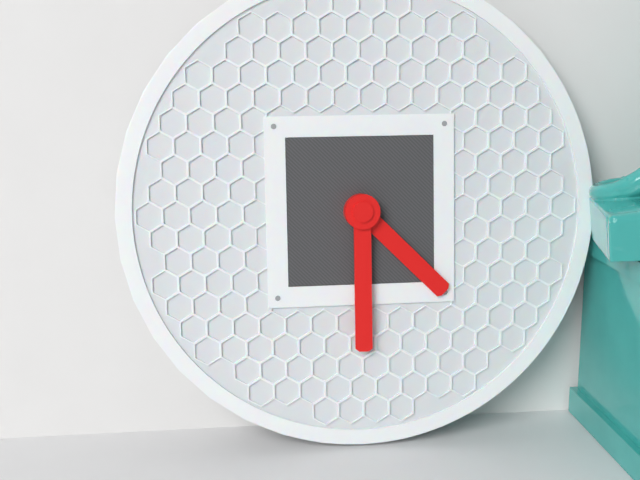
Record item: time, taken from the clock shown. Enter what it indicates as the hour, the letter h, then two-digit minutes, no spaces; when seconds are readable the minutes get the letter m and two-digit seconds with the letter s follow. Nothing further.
4h30
